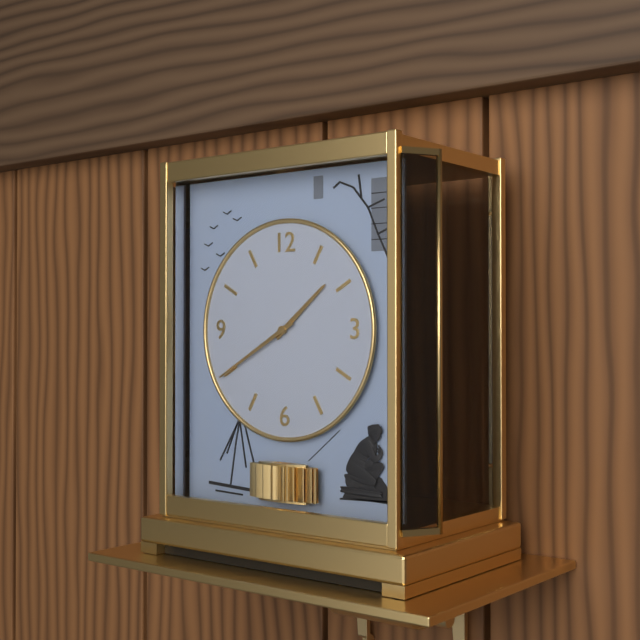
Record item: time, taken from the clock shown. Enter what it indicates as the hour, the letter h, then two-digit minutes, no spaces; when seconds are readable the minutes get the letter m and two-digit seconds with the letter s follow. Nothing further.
1h40
